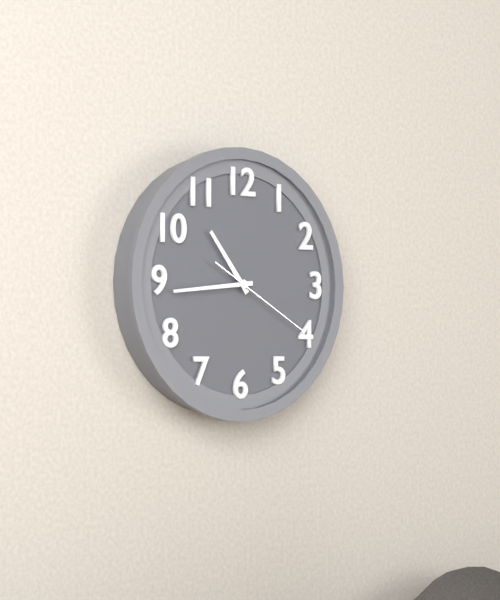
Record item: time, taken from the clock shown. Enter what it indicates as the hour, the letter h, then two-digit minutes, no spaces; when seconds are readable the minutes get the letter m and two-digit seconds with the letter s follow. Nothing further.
10h44m20s
